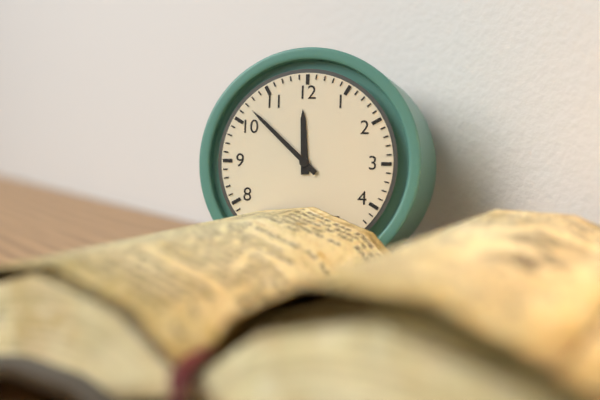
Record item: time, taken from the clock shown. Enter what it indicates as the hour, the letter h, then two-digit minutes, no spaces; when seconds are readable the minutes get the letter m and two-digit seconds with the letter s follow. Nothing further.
11h52
